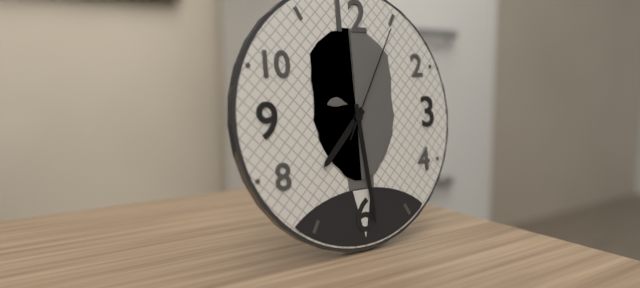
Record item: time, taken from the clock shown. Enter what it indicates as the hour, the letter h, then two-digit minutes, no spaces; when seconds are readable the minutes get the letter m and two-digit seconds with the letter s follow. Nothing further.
7h29m05s
